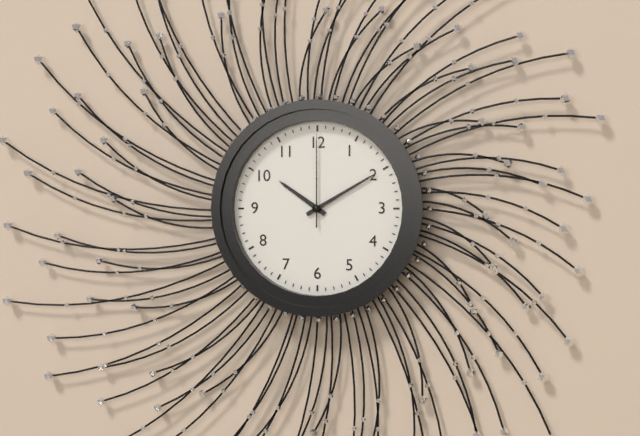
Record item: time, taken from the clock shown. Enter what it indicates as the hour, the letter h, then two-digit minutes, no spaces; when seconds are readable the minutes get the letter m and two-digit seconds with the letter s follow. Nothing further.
10h10m00s
